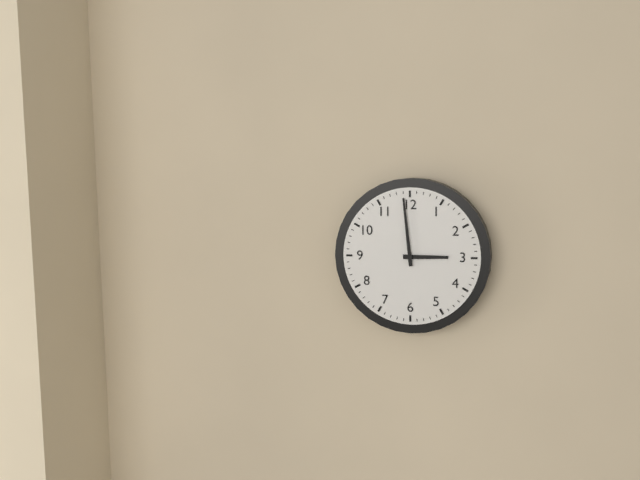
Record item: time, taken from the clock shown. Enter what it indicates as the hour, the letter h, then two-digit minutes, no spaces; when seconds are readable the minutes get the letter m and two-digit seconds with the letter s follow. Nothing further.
2h59
